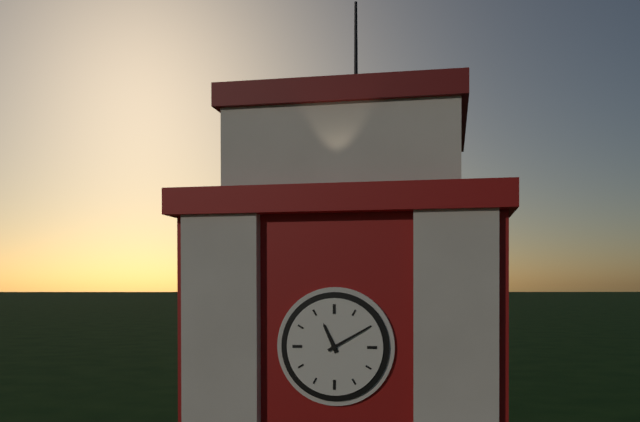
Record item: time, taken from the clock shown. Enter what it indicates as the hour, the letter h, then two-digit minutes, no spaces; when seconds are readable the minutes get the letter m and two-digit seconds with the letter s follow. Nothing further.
11h10
